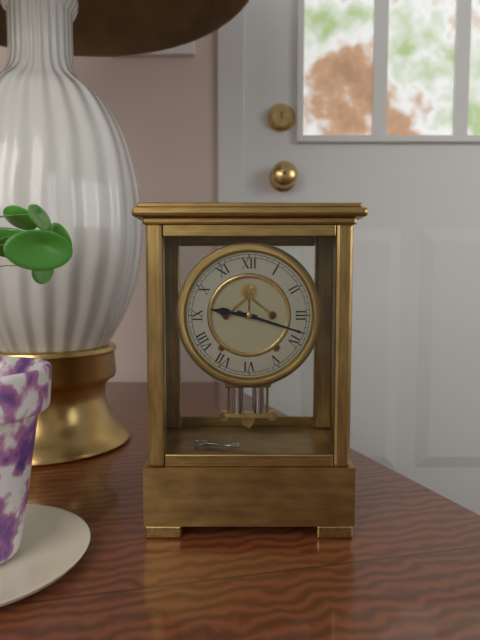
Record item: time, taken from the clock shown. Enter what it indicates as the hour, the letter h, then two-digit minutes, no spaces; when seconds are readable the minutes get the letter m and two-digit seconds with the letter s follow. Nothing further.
9h18
